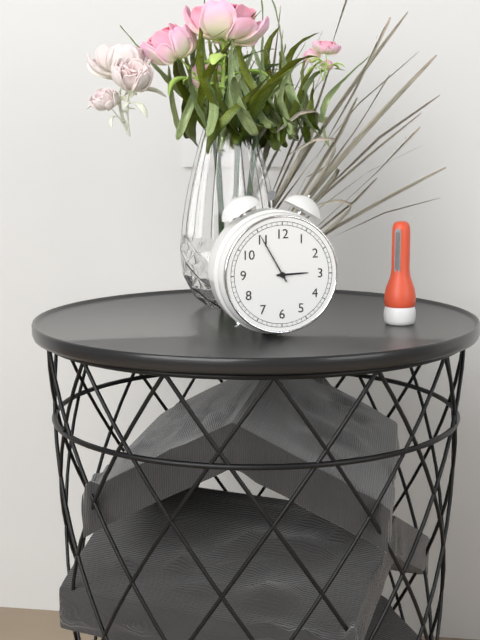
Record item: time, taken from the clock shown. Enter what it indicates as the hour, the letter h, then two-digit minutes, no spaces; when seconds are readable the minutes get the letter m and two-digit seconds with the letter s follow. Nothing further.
2h55
